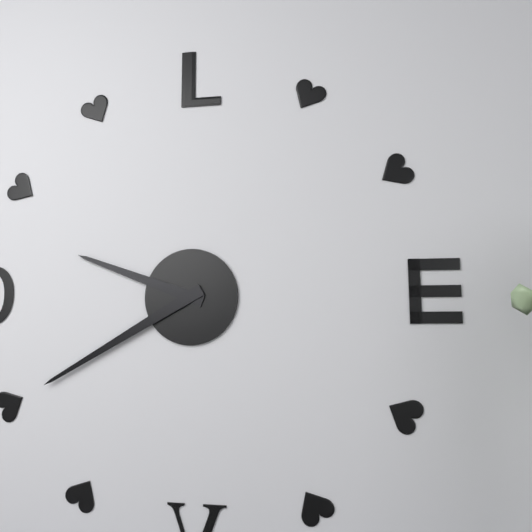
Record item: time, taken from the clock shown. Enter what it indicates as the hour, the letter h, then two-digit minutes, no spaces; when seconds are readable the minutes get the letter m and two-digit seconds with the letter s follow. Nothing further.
9h40
